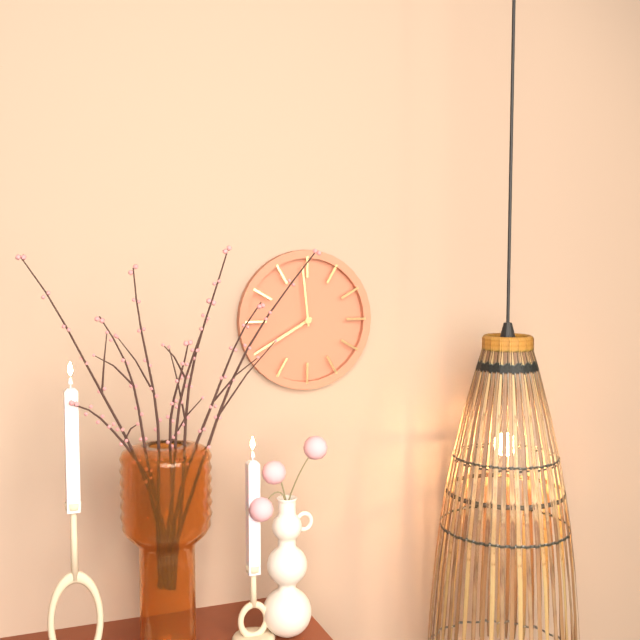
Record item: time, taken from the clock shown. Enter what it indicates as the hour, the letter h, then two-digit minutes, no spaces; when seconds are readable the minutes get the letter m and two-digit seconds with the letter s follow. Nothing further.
7h59
